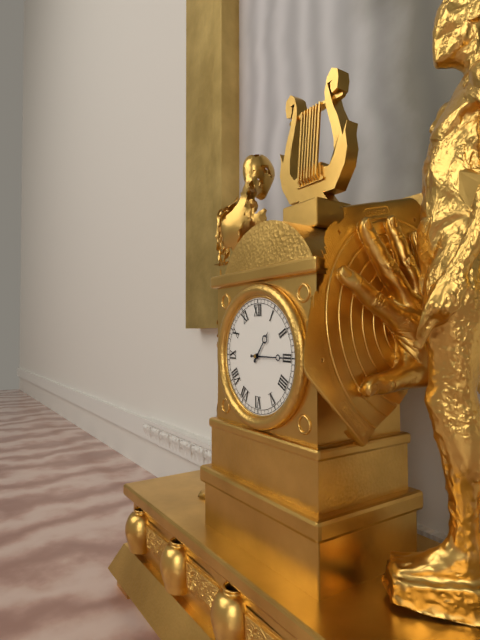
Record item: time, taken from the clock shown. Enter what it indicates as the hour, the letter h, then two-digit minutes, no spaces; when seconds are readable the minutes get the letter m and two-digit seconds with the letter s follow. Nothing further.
1h15
